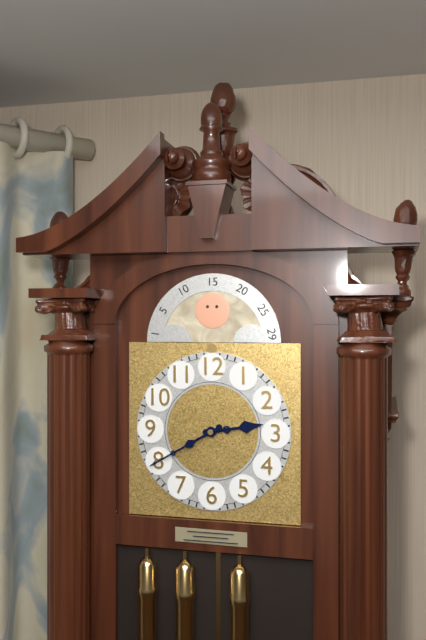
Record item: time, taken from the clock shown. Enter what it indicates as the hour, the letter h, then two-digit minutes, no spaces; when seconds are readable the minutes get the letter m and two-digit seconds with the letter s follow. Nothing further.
2h40
